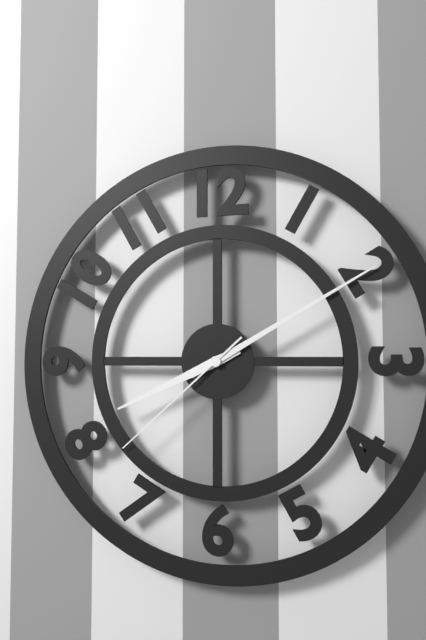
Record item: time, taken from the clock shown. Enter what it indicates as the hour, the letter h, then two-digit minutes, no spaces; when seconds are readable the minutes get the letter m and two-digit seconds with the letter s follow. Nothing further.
8h10m38s
